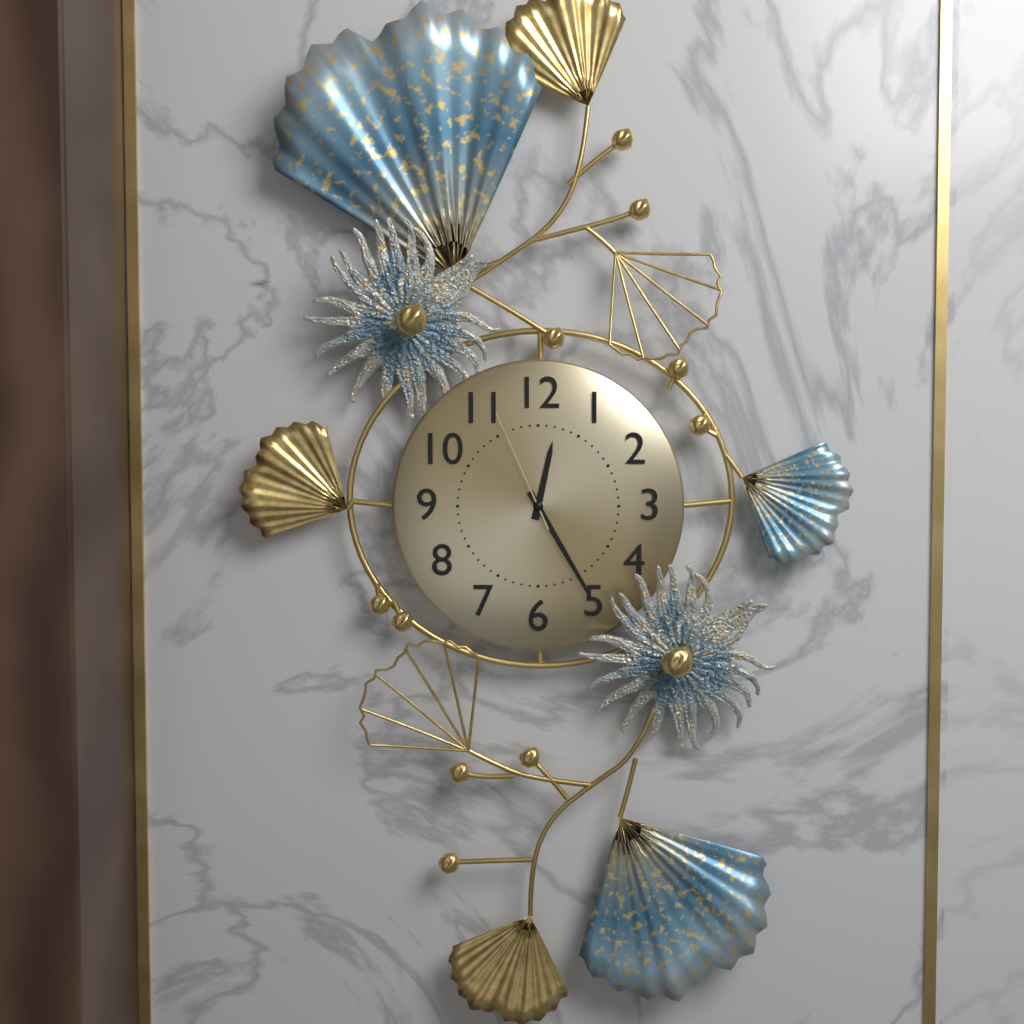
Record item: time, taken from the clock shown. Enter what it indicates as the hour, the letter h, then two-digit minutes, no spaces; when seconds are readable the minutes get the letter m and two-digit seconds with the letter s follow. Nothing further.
12h25m56s
